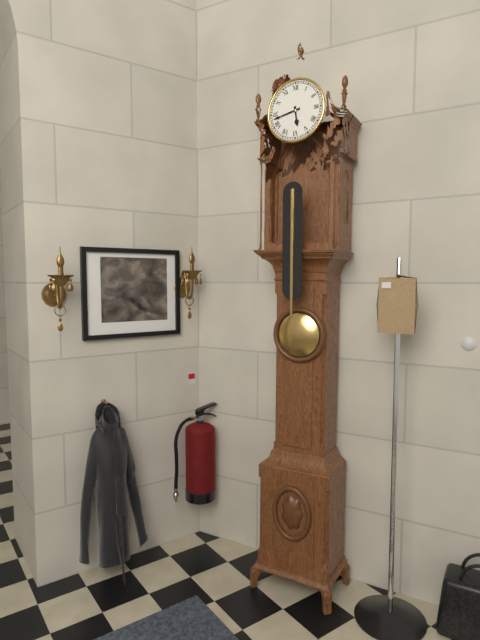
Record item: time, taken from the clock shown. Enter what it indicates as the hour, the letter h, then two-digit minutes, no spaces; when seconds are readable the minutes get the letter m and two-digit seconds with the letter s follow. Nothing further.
5h43
